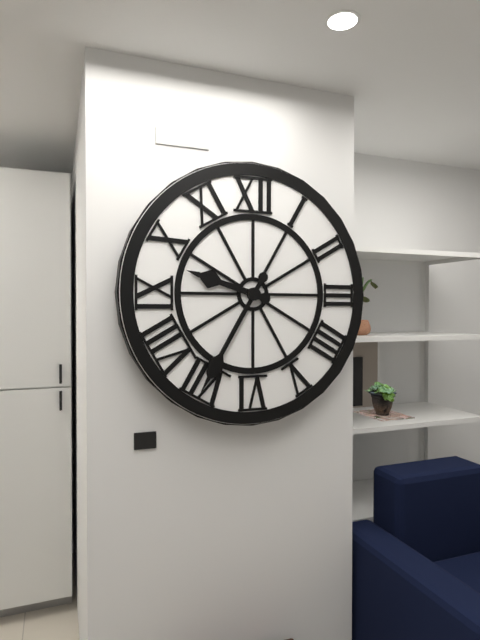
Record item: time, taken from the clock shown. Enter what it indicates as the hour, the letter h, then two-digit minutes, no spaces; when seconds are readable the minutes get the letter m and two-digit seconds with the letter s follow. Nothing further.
9h35
